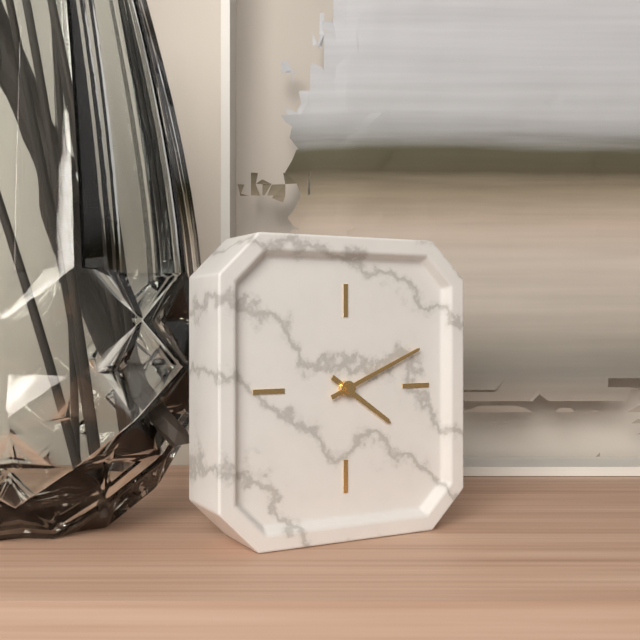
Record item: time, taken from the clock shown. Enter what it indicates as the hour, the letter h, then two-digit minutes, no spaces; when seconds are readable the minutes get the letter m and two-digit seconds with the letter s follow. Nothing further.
4h11
